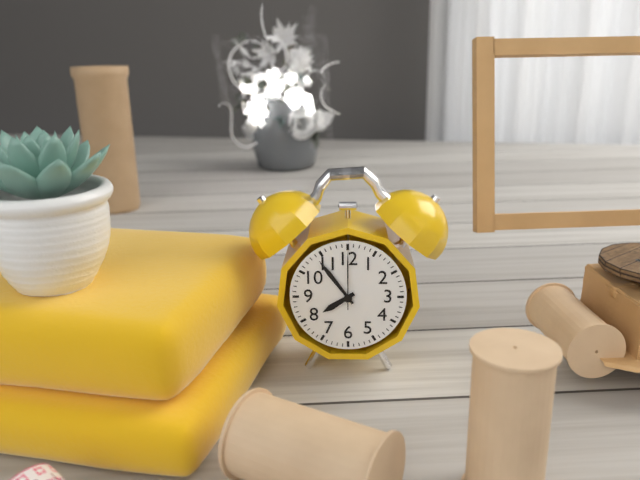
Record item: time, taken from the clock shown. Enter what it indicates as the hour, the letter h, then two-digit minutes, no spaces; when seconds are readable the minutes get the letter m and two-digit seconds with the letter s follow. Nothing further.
7h54m00s
